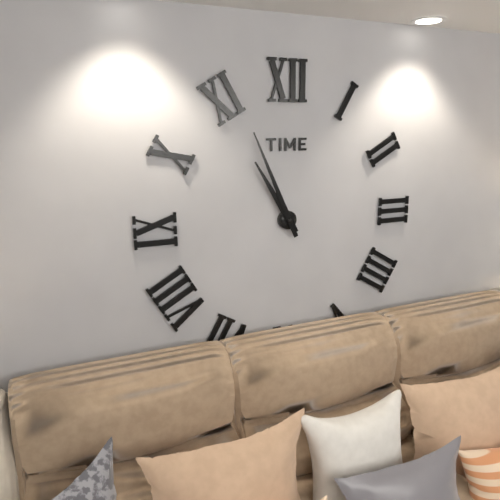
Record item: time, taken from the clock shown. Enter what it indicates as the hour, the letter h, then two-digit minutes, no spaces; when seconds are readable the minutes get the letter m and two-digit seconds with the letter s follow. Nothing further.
10h56
